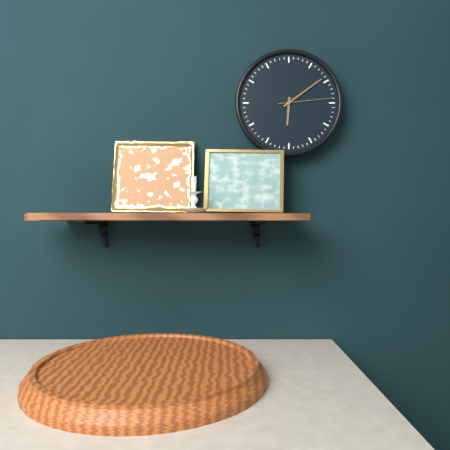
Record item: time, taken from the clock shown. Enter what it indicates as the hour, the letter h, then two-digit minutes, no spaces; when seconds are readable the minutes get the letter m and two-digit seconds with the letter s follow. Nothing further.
6h09m14s
